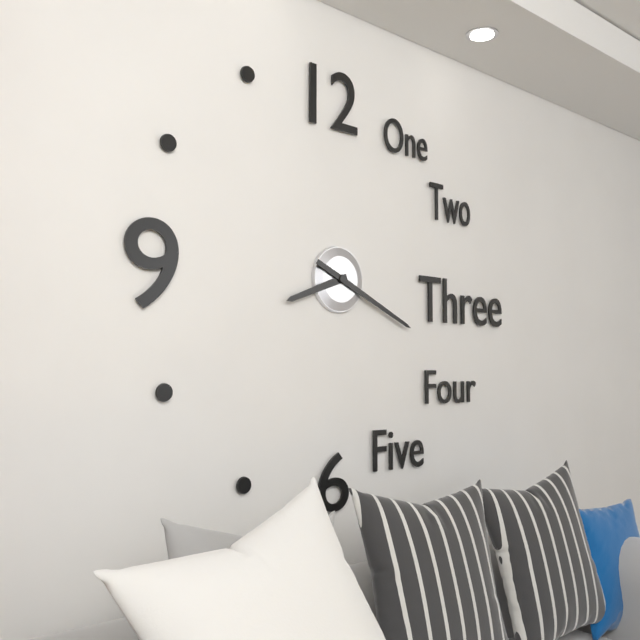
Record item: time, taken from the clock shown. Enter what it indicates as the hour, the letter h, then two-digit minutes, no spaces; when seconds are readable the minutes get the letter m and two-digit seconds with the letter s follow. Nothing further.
8h19
